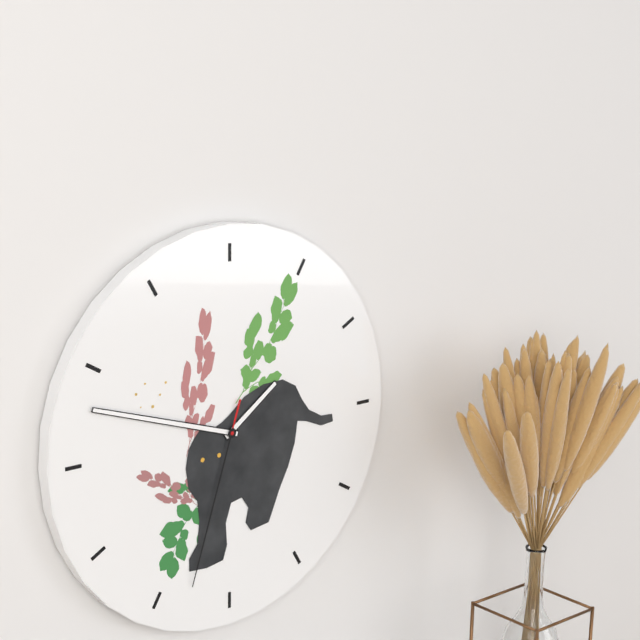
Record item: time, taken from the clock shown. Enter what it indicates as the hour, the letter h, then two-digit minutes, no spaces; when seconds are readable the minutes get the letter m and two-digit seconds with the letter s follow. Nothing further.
1h48m33s
